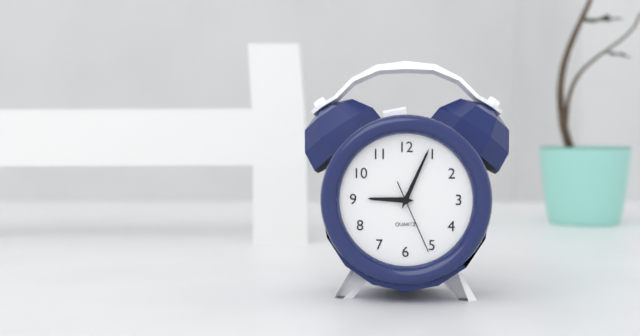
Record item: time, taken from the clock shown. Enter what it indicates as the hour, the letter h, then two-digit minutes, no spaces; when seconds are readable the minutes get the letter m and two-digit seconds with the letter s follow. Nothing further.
9h04m26s
